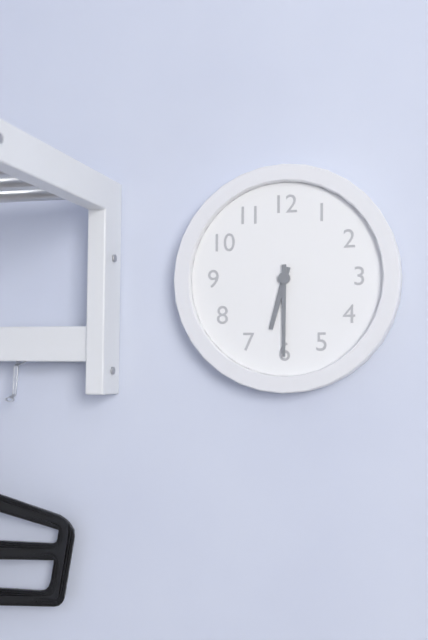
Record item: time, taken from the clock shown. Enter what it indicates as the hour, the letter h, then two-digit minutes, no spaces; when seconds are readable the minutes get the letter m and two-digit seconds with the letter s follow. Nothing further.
6h30
